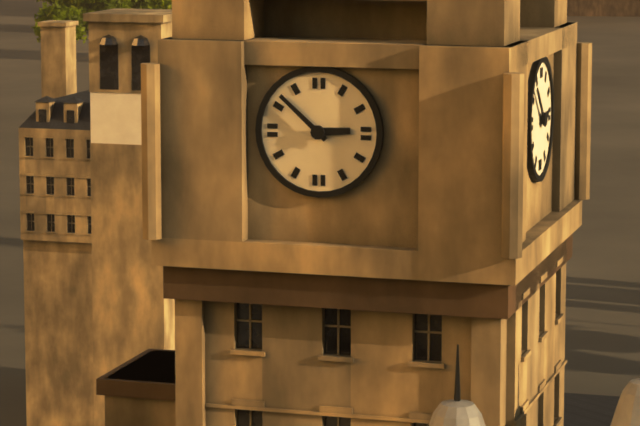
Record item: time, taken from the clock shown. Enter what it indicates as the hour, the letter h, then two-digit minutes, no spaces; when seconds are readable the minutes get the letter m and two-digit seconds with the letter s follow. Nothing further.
2h52
